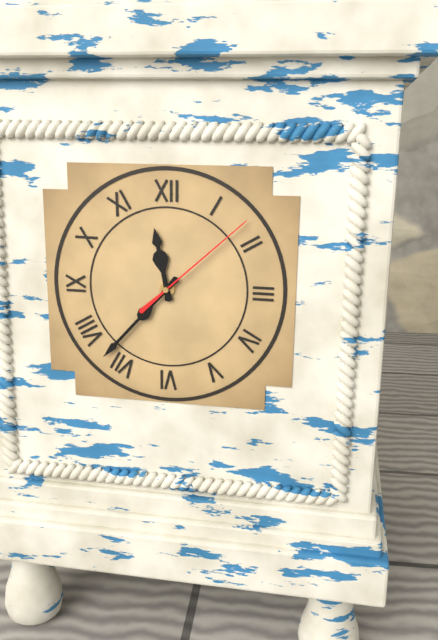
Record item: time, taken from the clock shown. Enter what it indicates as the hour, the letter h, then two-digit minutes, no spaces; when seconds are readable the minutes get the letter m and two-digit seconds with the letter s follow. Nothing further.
11h37m08s
